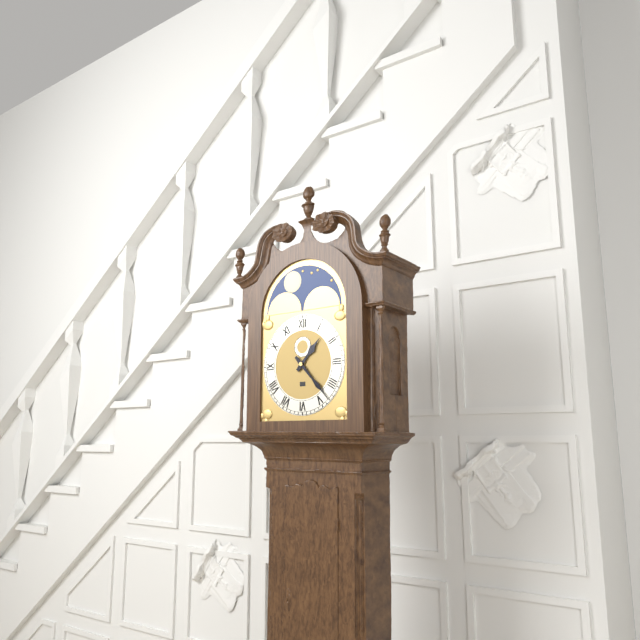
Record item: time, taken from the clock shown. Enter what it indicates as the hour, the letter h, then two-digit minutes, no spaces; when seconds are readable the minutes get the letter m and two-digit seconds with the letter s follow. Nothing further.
1h23
